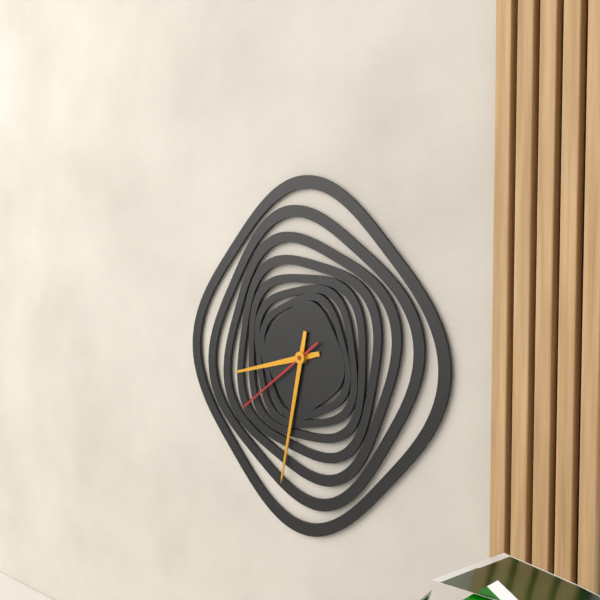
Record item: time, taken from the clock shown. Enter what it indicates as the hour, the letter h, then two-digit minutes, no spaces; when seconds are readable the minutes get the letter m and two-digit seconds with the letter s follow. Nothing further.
8h32m39s
